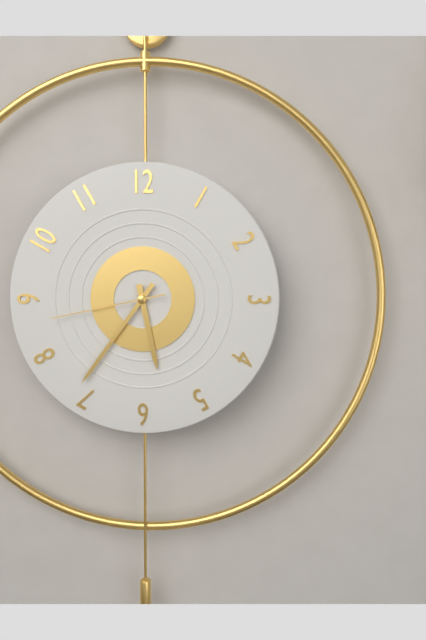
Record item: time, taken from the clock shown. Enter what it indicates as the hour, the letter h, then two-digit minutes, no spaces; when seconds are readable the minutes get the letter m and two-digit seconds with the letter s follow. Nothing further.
5h36m43s
